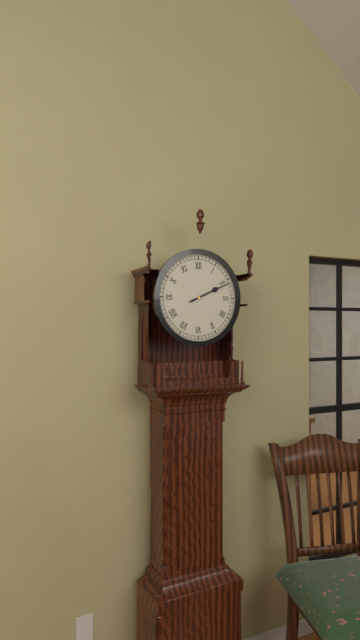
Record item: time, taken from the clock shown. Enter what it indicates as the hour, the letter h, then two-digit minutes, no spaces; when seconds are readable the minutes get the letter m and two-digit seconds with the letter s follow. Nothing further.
2h11
